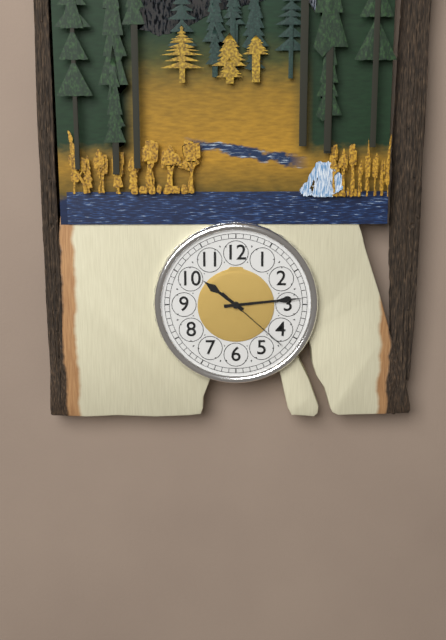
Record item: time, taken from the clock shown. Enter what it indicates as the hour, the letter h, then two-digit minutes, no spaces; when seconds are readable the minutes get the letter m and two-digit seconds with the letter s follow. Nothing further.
10h14m22s
